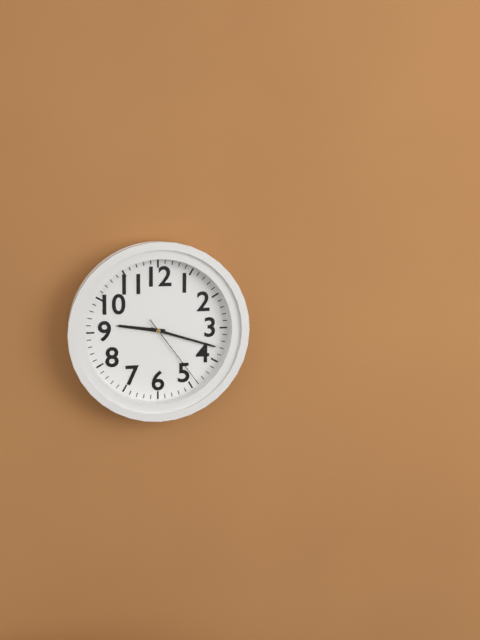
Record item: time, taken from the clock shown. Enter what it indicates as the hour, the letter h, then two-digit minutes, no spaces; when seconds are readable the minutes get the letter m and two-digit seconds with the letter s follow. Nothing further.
9h18m24s
